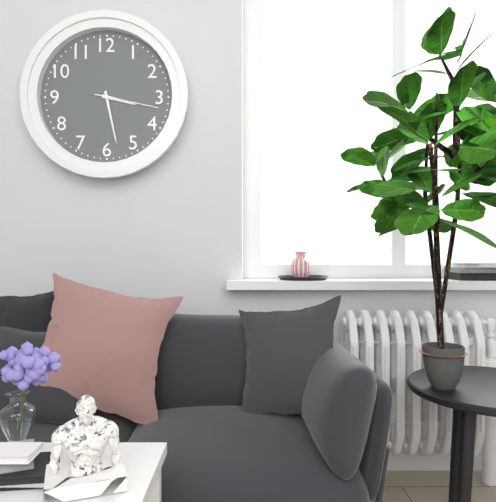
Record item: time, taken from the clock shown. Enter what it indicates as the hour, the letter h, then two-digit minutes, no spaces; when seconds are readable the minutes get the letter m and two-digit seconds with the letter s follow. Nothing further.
3h28m17s
